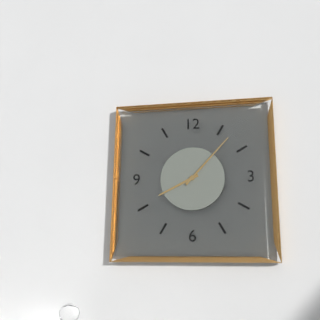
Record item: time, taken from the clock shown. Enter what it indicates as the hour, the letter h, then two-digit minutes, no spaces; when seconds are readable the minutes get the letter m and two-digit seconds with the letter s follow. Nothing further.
8h07
